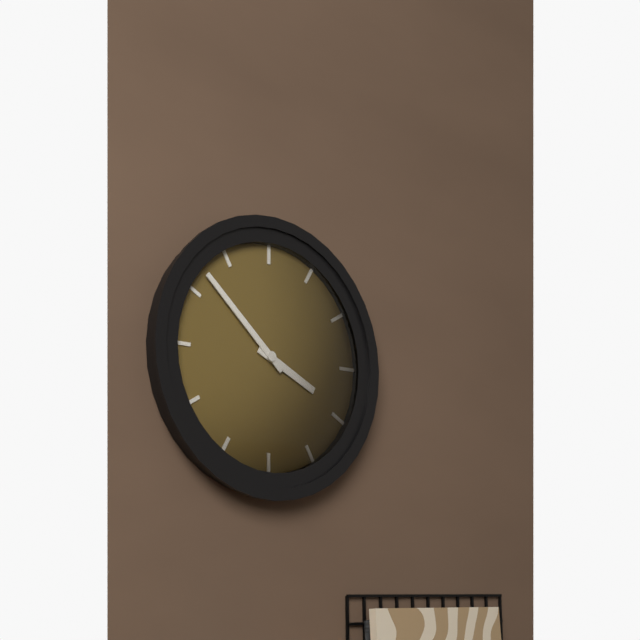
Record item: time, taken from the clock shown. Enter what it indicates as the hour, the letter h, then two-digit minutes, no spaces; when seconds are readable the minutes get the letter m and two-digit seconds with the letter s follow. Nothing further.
3h52
